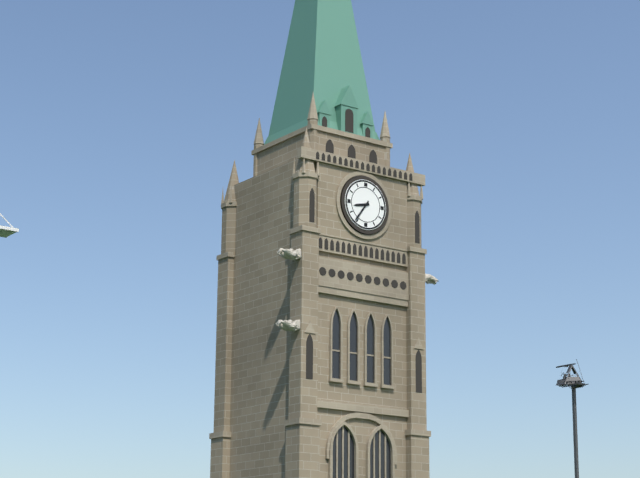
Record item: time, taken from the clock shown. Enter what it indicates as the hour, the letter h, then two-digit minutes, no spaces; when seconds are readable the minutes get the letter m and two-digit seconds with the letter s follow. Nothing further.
8h36
